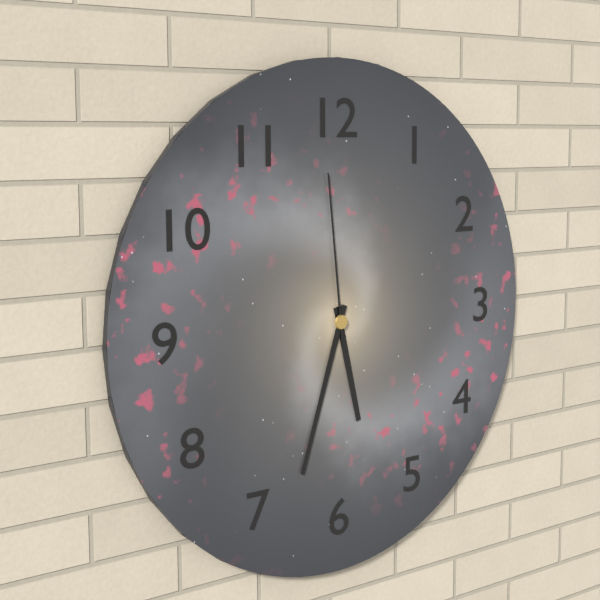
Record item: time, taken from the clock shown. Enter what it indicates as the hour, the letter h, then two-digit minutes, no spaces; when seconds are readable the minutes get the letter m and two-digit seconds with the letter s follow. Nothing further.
5h33m59s
